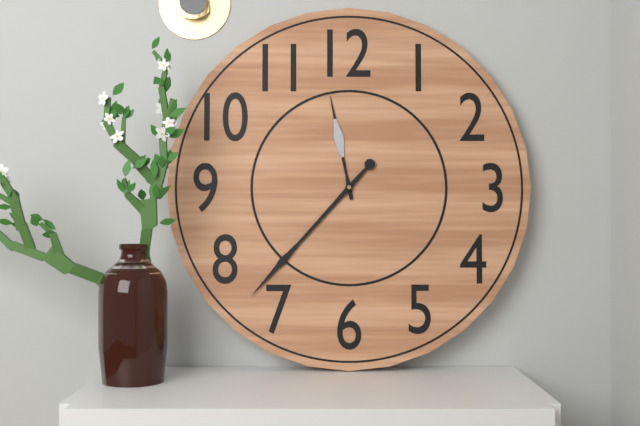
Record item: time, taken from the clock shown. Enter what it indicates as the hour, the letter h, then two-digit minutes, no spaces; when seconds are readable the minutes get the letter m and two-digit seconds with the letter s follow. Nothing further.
11h37
